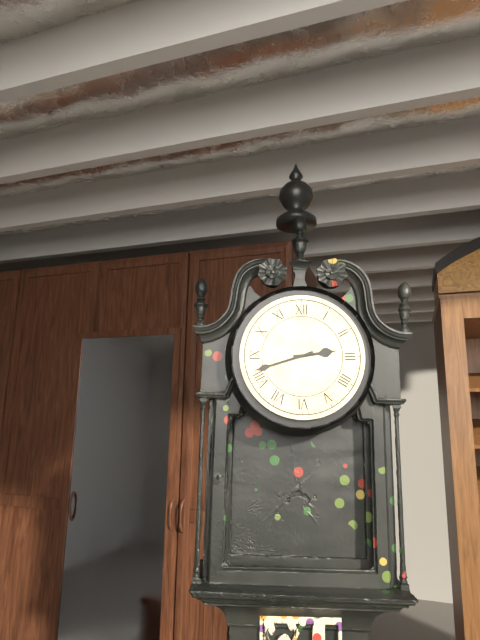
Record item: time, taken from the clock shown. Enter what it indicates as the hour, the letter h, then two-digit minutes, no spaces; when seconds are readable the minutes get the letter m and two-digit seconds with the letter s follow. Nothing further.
2h42
